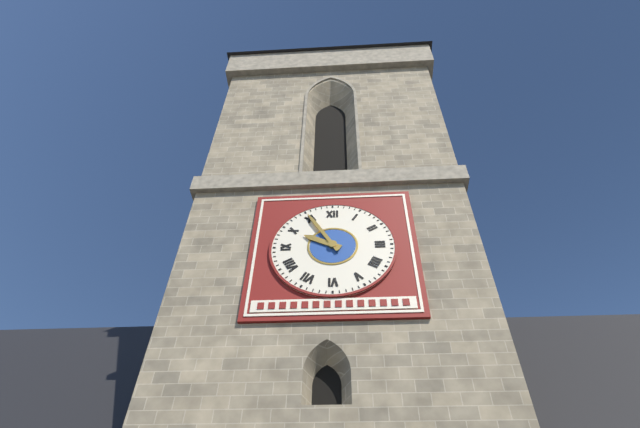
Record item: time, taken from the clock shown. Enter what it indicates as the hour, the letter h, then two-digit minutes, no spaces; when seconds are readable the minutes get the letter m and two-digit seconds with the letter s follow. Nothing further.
9h55
